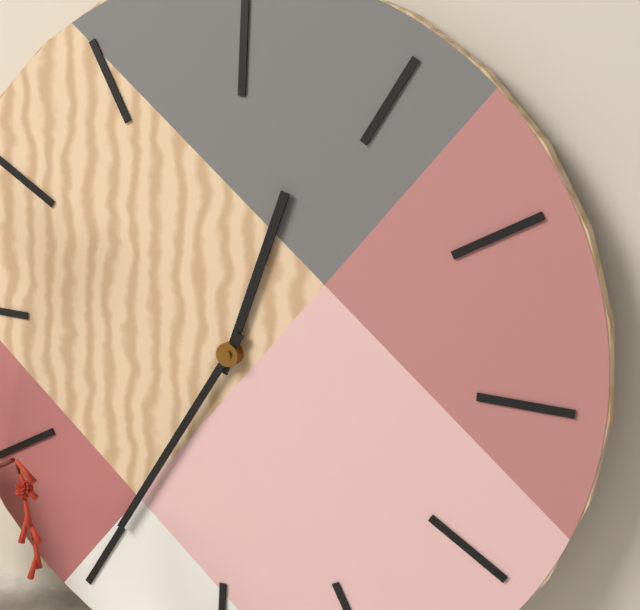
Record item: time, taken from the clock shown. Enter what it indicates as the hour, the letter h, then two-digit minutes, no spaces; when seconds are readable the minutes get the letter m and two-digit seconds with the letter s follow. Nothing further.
12h35
